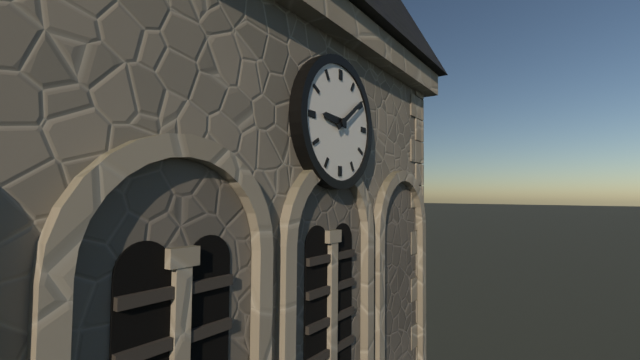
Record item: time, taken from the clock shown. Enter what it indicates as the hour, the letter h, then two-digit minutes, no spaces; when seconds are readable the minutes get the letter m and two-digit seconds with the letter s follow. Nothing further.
9h09
